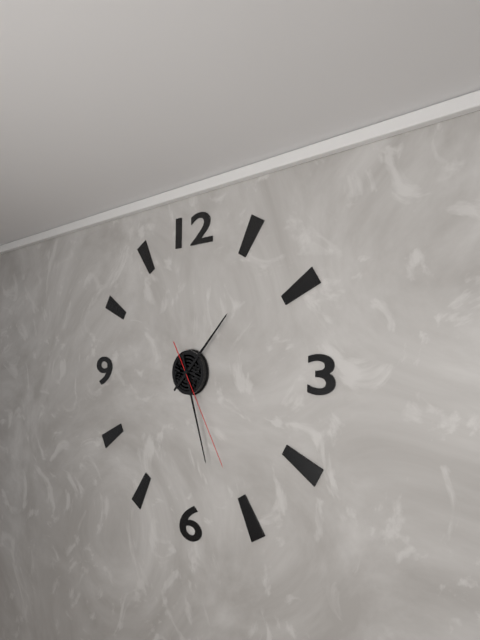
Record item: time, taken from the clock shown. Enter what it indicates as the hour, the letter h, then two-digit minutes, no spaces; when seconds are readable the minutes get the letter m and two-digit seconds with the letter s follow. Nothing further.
1h27m25s
